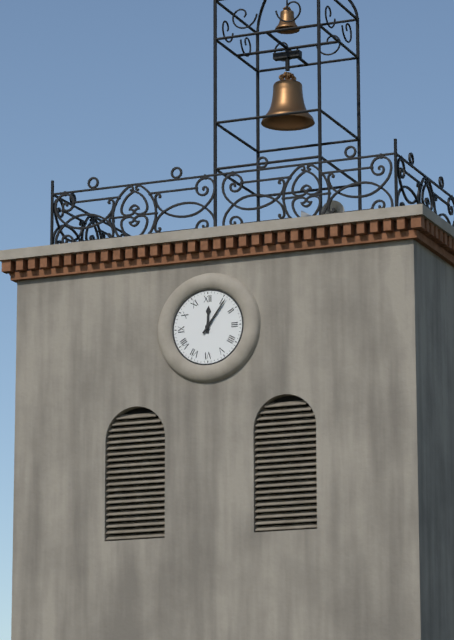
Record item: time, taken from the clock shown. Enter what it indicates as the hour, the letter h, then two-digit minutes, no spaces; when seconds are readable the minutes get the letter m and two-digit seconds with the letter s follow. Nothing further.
12h06
